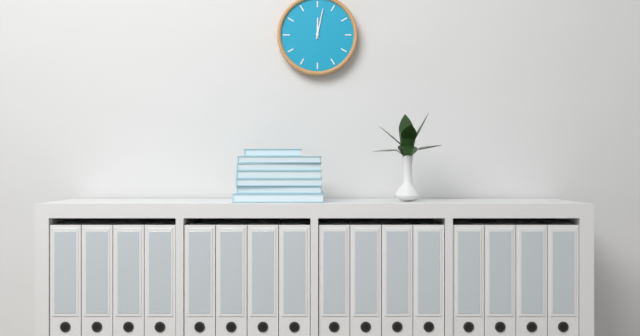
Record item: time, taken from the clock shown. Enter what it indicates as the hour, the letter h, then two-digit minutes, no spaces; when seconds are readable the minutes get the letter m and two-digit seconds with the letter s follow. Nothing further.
12h02
